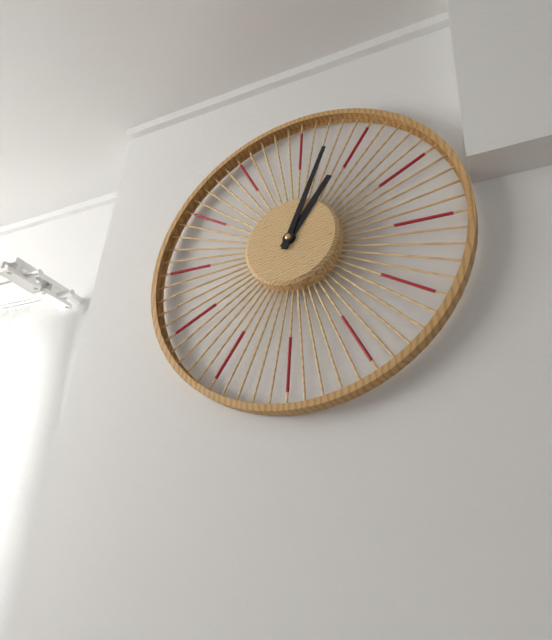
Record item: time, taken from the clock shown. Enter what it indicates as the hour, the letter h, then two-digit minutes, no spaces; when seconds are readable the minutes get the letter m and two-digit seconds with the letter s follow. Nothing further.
1h03
